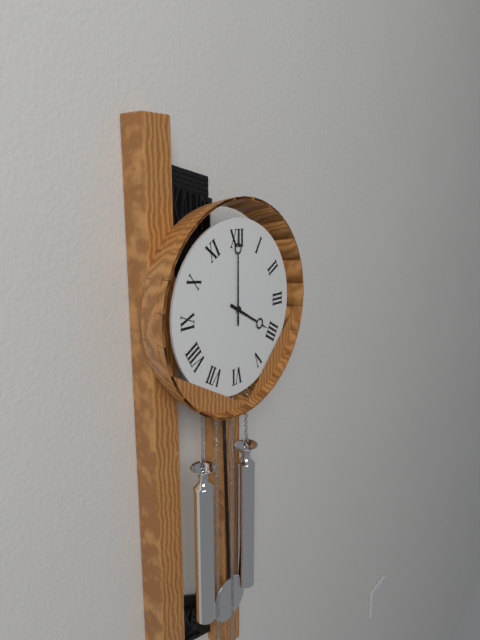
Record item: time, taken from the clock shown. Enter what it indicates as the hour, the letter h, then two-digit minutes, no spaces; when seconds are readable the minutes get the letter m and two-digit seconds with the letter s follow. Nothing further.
4h00
